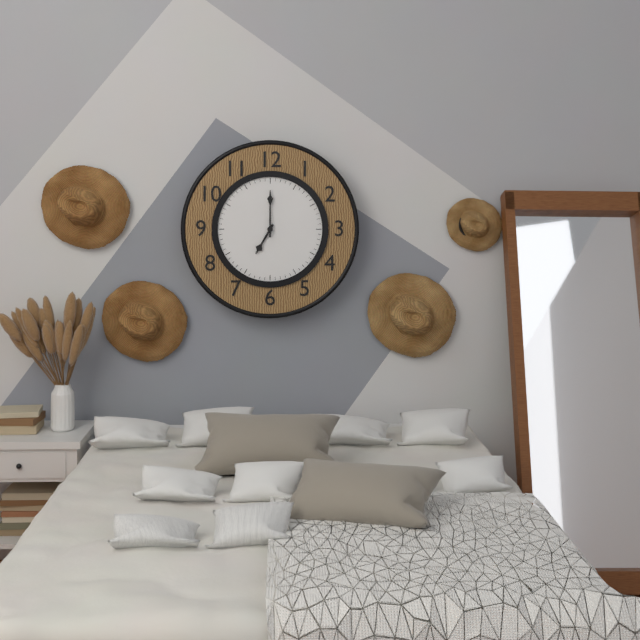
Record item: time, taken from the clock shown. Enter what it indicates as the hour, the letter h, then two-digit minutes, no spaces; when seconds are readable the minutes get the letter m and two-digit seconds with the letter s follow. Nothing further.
7h00
